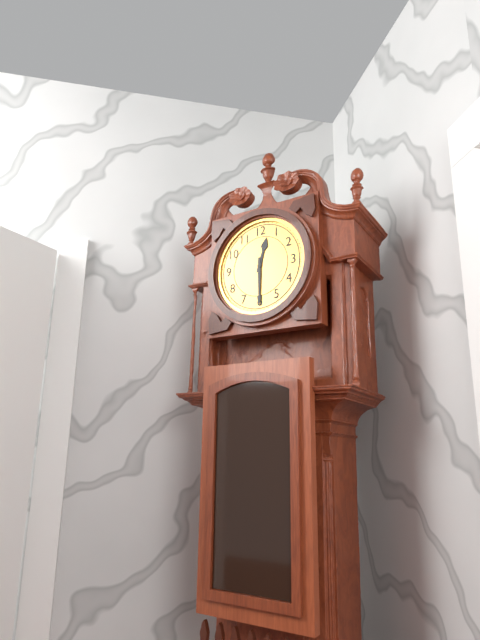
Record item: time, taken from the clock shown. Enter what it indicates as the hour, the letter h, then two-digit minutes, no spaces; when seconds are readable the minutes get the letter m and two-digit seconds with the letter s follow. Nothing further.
12h30
